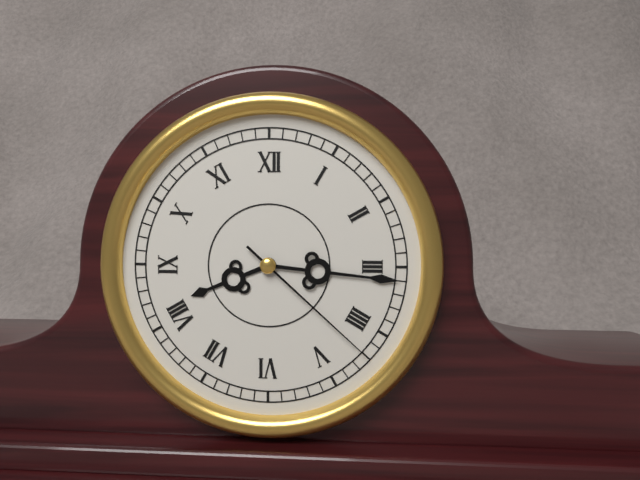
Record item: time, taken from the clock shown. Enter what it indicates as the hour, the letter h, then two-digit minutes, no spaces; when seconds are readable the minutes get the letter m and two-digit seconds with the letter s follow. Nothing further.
8h16m22s
